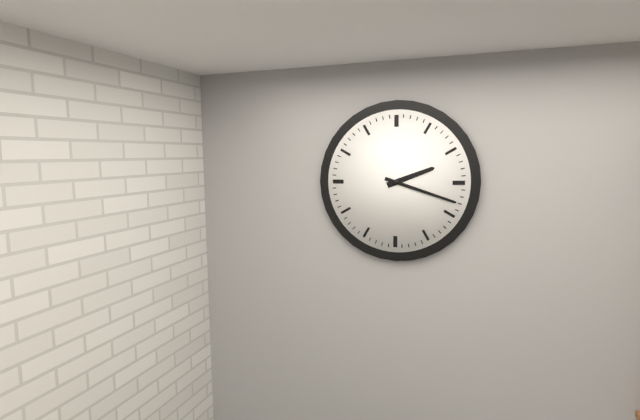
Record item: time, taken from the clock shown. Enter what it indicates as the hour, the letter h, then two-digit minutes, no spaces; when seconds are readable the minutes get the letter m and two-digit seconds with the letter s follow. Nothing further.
2h18
